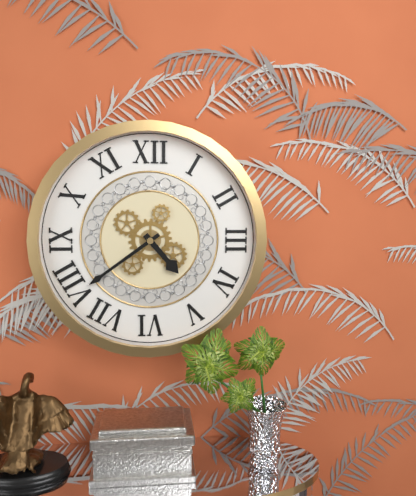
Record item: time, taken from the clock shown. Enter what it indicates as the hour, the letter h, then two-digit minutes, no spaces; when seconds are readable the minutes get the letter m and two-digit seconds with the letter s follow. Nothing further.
4h39
